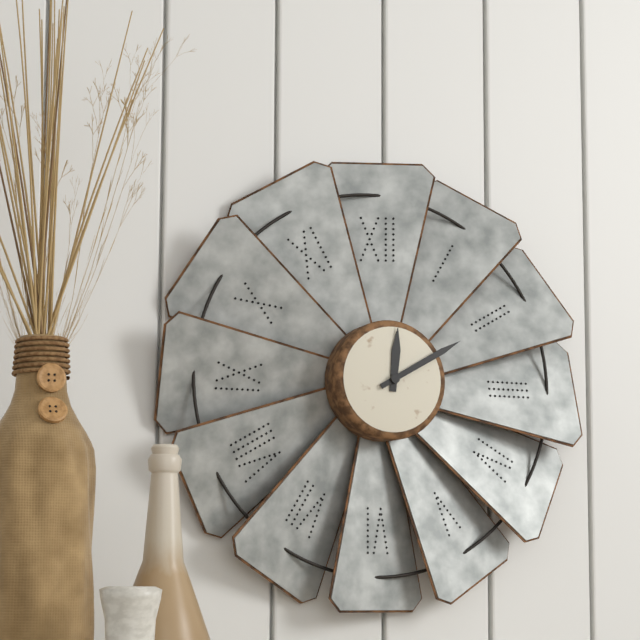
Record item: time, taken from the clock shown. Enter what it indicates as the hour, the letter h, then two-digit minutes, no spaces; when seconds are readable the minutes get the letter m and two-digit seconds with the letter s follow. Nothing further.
12h10
